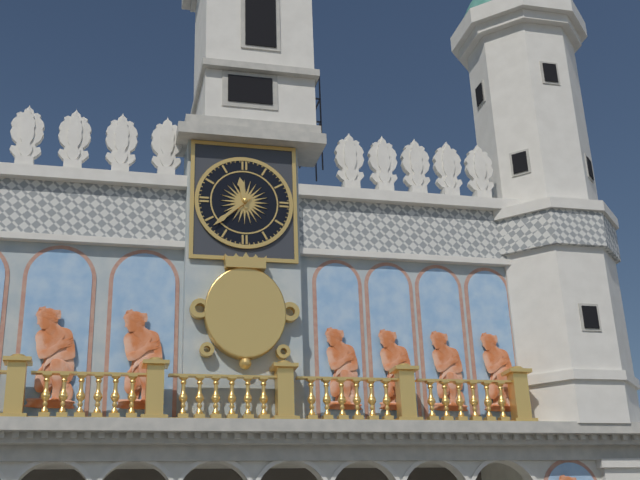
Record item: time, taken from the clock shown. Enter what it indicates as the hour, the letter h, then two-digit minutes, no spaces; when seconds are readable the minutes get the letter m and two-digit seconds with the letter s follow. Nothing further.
11h38
